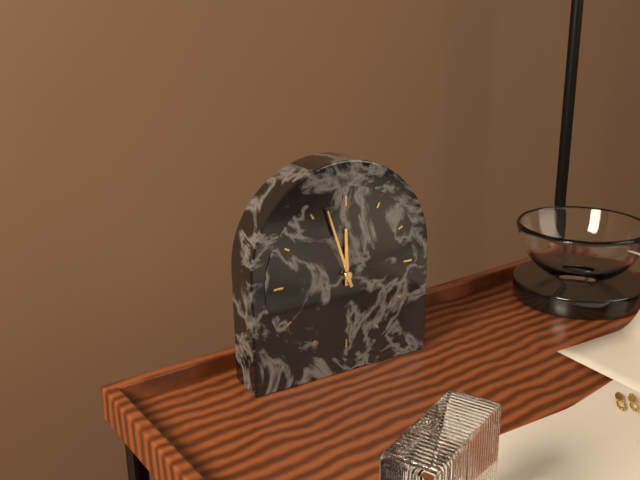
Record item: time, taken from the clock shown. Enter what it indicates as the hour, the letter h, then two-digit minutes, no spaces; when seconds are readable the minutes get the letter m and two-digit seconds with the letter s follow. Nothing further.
11h57
